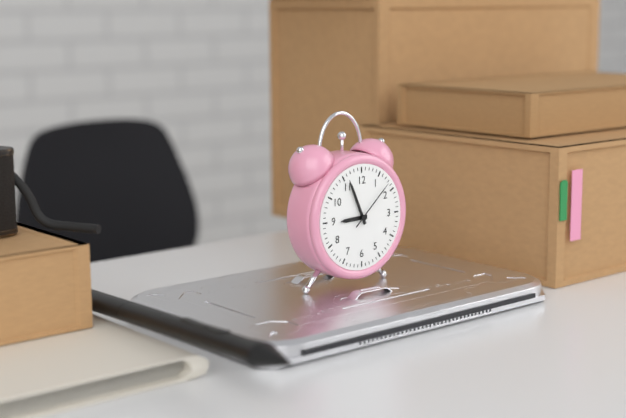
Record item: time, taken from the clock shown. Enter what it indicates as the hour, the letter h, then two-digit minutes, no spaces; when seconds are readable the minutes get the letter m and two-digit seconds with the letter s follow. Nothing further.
8h56m08s
